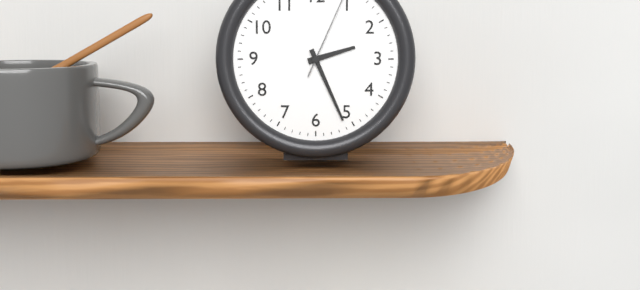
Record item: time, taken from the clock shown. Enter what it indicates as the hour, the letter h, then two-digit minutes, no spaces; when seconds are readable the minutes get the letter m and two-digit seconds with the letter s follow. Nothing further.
2h26
